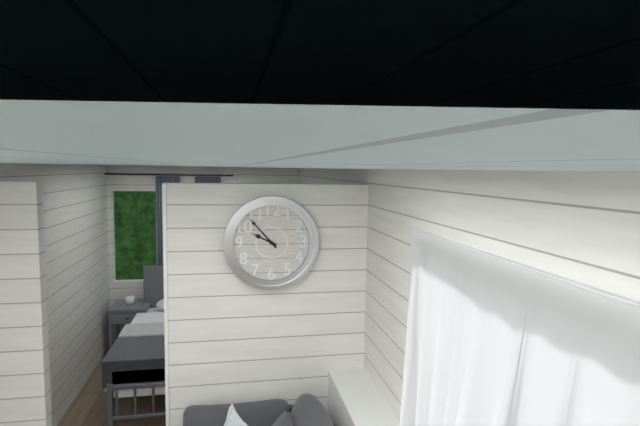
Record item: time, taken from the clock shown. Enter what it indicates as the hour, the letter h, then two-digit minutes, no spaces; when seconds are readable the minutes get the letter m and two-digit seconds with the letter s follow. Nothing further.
9h53
